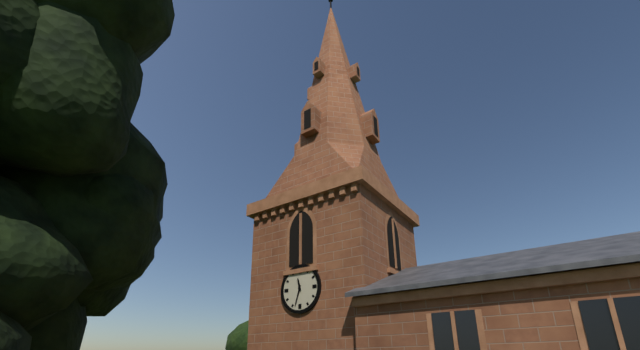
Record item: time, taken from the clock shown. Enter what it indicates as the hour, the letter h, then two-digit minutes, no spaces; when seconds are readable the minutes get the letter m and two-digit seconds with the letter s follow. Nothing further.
11h33
